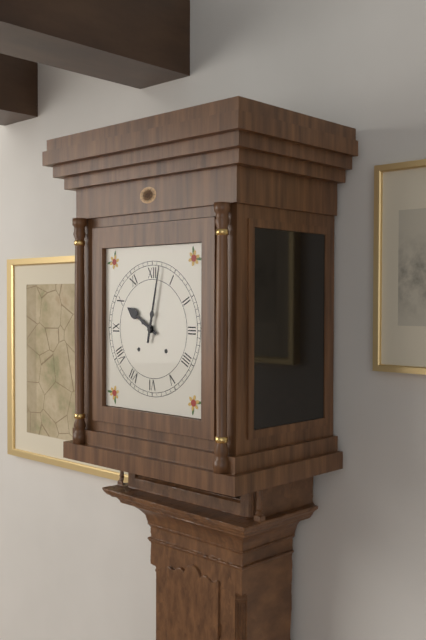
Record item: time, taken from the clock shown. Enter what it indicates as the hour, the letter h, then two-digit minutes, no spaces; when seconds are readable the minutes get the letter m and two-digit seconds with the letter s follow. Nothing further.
10h02
